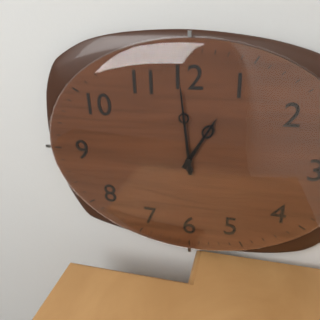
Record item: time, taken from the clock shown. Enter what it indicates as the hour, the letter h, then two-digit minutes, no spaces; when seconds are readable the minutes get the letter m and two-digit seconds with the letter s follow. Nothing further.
12h59
